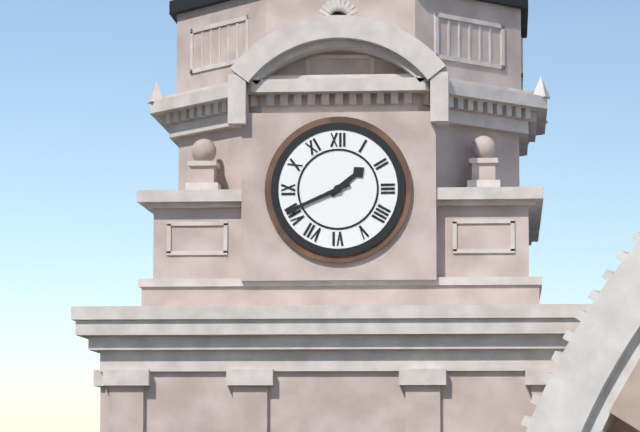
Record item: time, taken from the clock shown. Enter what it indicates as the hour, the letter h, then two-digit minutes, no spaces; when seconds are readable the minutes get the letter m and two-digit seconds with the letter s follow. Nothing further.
1h41
